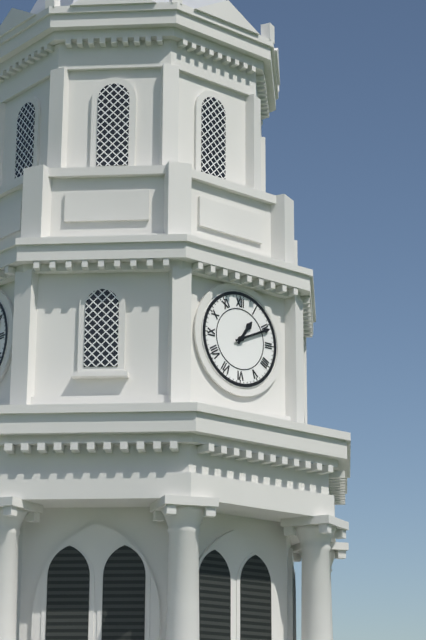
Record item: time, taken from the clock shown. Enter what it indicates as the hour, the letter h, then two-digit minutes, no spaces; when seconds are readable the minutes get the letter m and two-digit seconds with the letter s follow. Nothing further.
1h11
